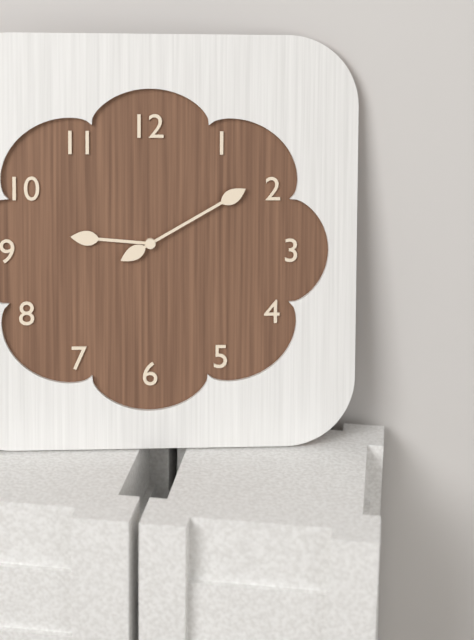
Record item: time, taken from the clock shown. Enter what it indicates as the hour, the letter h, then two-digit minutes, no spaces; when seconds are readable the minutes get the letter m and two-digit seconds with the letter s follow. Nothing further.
9h10
